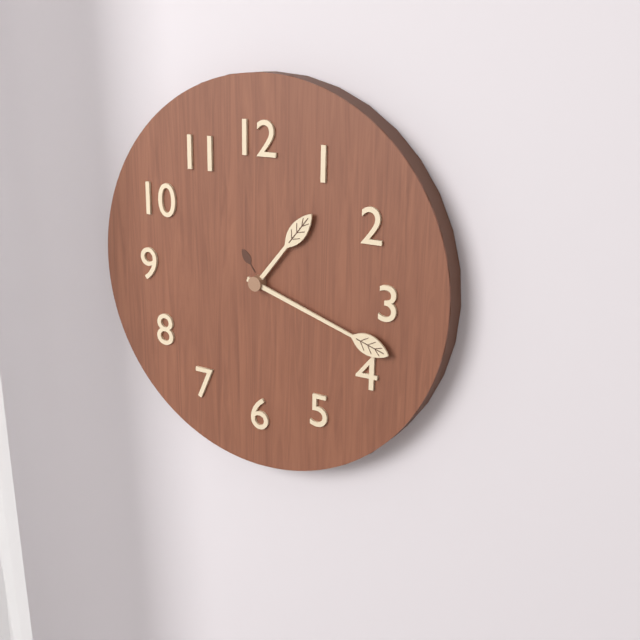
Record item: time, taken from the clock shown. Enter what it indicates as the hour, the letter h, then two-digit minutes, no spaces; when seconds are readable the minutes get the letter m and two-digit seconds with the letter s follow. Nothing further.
1h18
